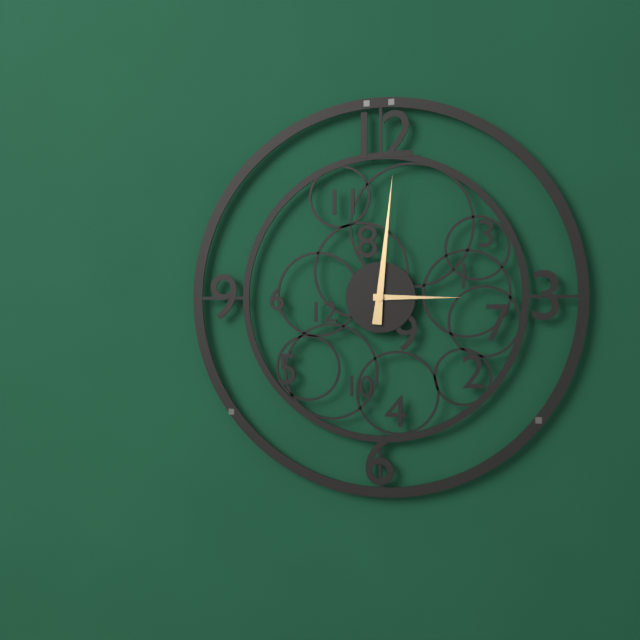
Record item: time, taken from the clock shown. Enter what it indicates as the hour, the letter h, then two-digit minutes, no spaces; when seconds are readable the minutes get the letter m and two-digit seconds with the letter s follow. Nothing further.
3h01
